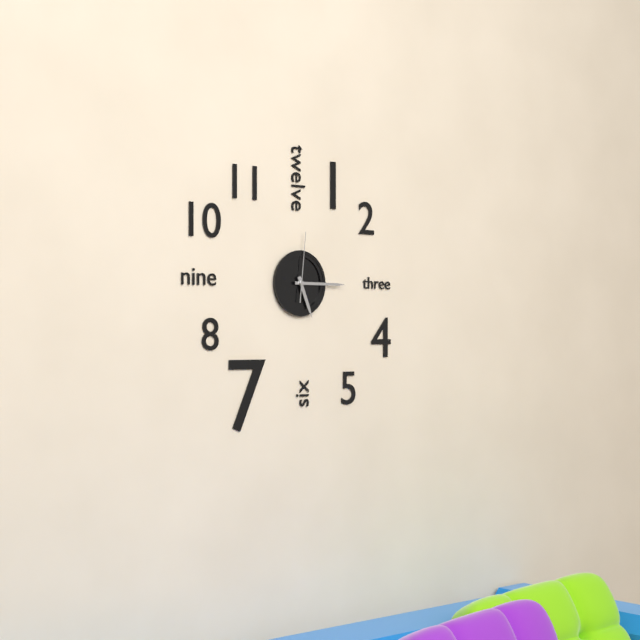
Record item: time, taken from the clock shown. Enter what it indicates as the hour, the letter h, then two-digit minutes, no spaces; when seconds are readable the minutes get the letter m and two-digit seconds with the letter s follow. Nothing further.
5h15m01s
